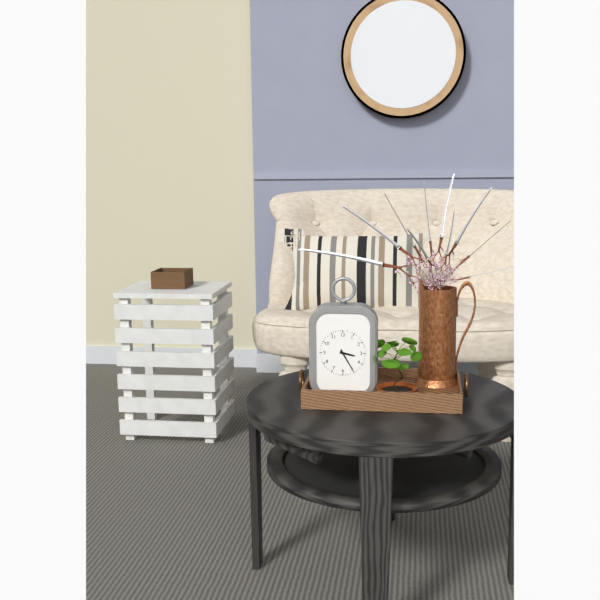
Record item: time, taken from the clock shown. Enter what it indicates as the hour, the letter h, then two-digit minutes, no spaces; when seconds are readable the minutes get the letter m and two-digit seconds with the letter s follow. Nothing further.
3h25
